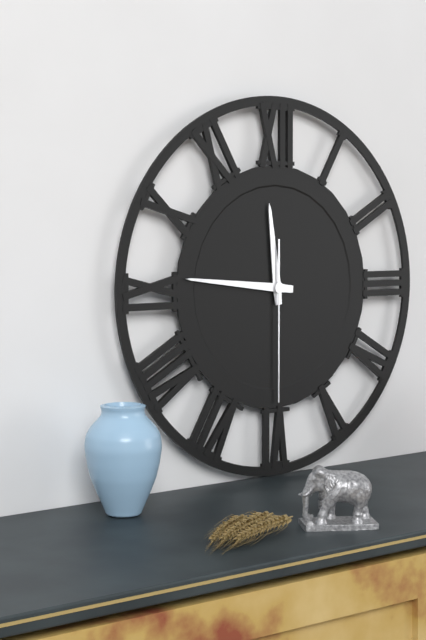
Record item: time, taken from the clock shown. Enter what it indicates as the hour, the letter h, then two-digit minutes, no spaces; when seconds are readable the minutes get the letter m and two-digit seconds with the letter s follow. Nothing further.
11h46m30s
